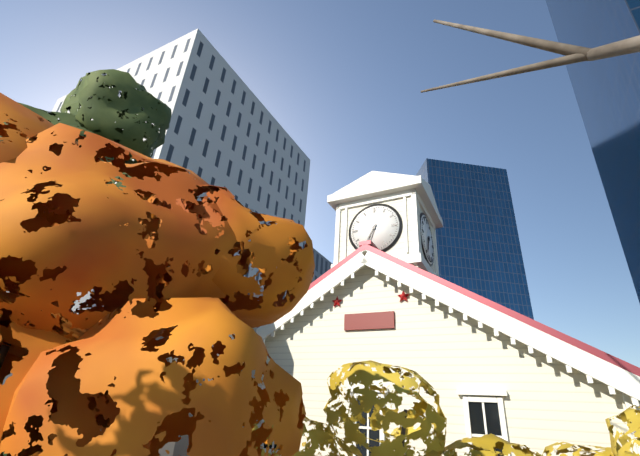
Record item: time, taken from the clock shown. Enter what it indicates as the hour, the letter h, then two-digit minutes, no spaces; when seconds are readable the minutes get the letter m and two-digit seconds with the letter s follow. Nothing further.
6h35
